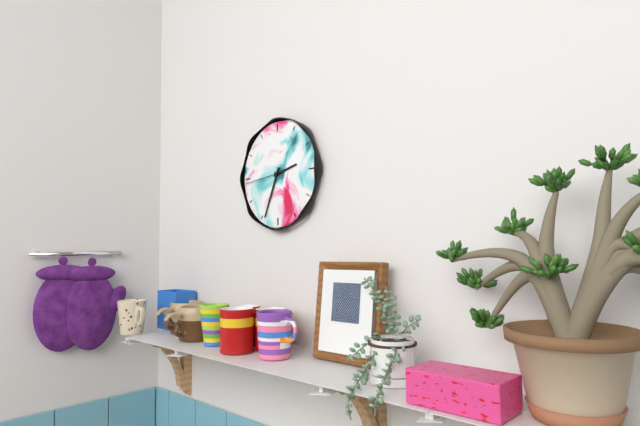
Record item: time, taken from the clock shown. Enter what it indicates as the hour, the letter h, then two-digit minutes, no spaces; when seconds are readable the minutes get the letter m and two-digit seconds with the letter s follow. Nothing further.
2h34
